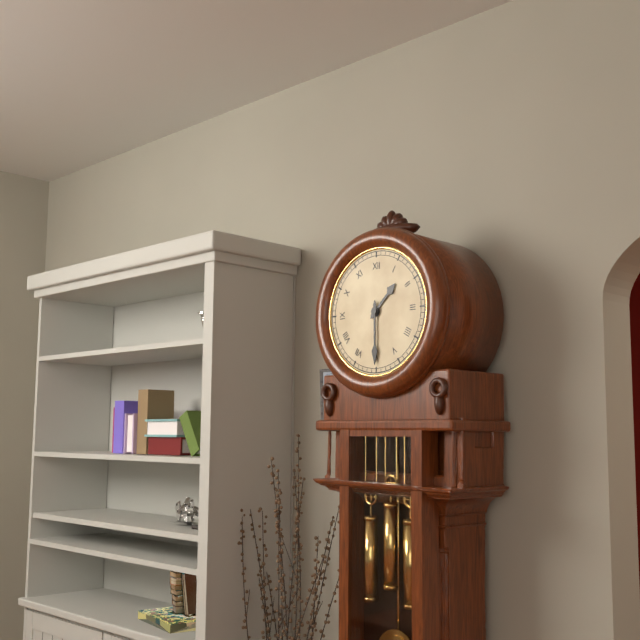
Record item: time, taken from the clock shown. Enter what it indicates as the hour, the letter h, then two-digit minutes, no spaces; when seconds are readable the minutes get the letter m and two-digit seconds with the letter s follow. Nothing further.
1h30
